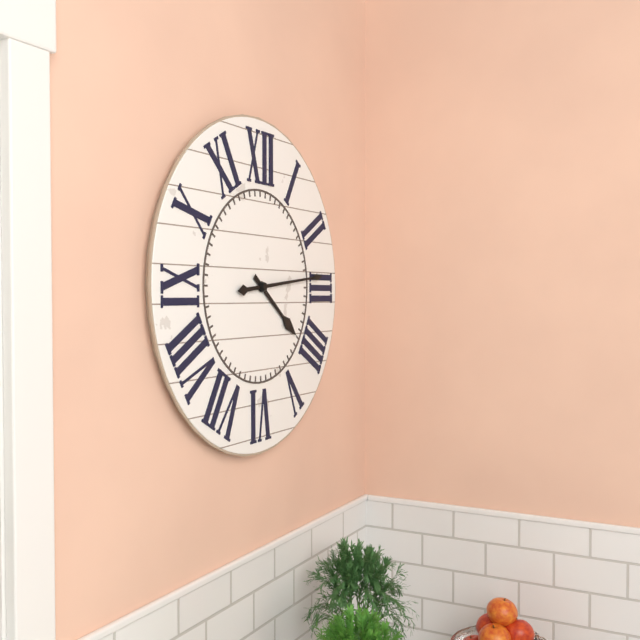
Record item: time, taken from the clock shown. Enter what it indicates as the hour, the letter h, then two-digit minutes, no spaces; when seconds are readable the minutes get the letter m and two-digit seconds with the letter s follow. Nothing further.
4h14
